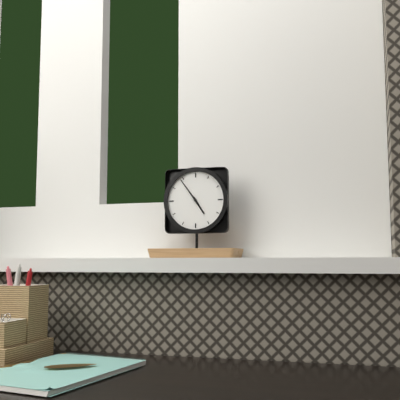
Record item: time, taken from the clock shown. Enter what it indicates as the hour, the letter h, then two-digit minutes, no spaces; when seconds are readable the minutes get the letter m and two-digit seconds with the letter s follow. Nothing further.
4h54
